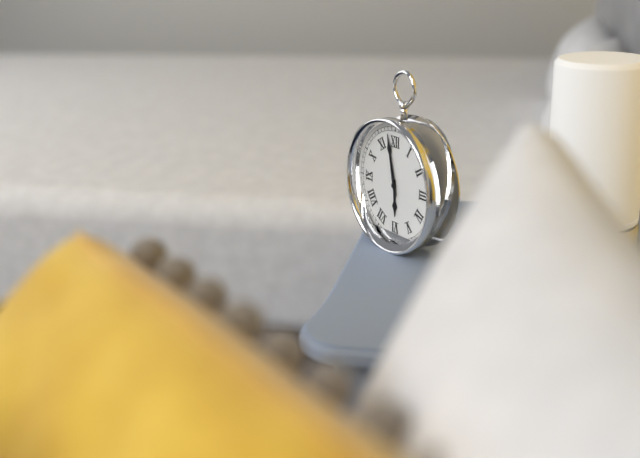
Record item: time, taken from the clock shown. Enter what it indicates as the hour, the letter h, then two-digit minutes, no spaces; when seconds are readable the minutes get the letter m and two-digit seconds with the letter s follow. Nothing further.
5h58
